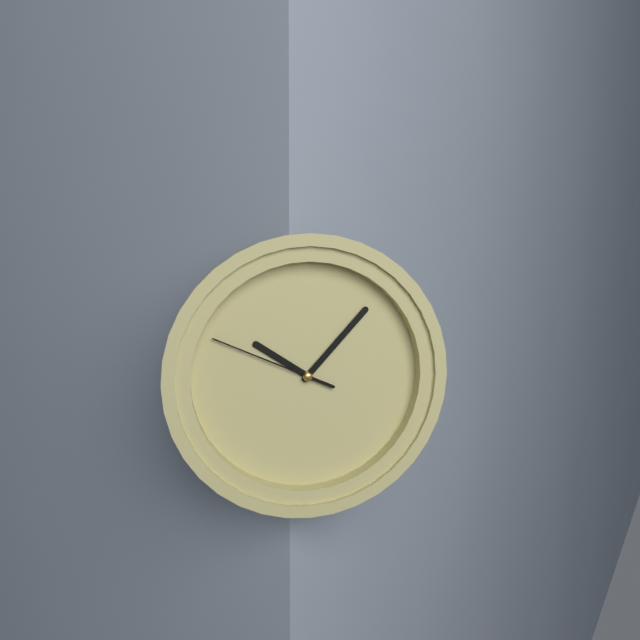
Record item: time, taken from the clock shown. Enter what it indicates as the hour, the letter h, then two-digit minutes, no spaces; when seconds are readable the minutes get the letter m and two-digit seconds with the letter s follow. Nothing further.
10h07m49s
